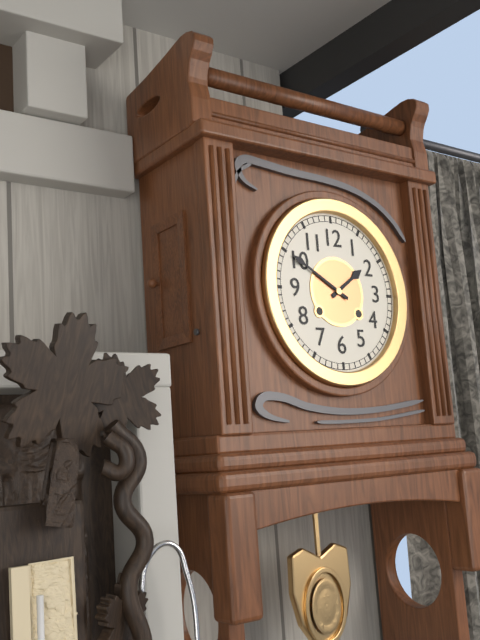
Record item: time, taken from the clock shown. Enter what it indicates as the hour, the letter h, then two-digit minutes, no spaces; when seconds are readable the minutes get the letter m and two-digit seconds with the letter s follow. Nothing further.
1h50
